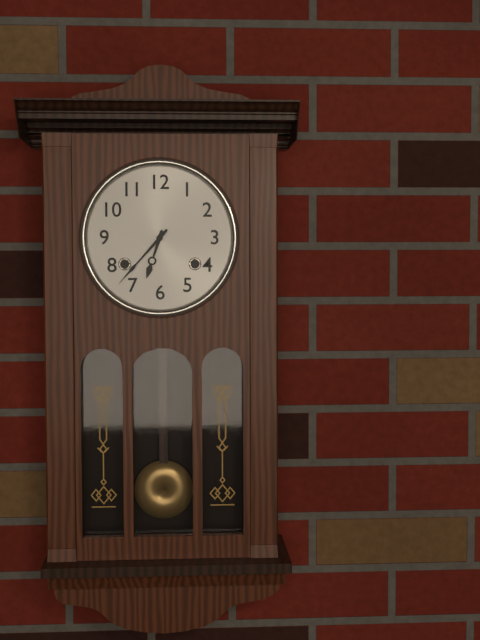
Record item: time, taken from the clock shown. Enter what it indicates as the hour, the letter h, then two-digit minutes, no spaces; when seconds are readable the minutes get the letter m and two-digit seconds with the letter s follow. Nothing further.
6h37
